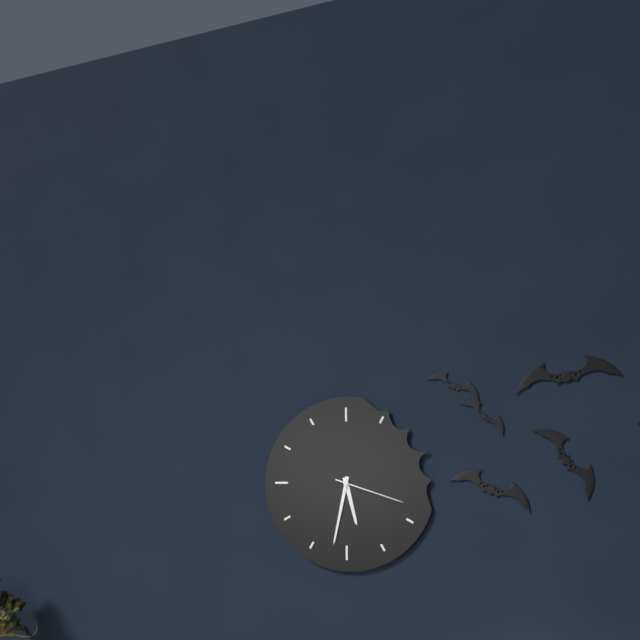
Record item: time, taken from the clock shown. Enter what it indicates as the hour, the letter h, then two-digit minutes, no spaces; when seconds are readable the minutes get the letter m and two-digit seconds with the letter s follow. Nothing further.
5h32m18s
